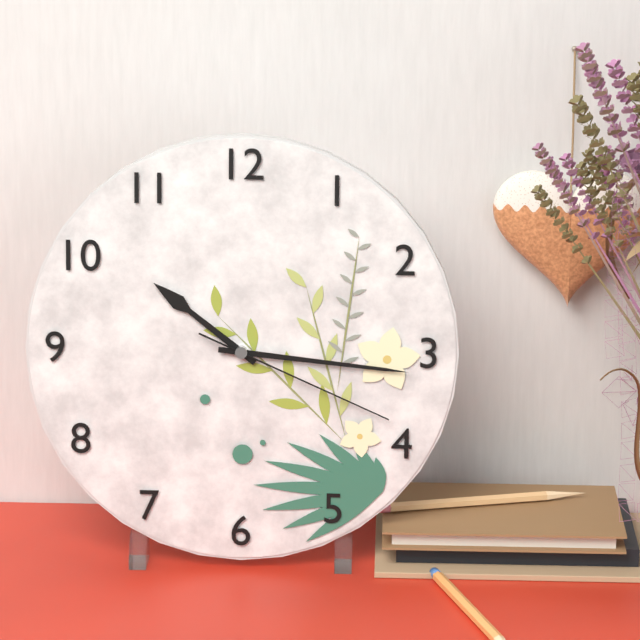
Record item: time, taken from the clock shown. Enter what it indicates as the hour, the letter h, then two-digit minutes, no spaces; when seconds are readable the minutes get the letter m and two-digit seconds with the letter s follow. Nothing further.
10h16m19s
